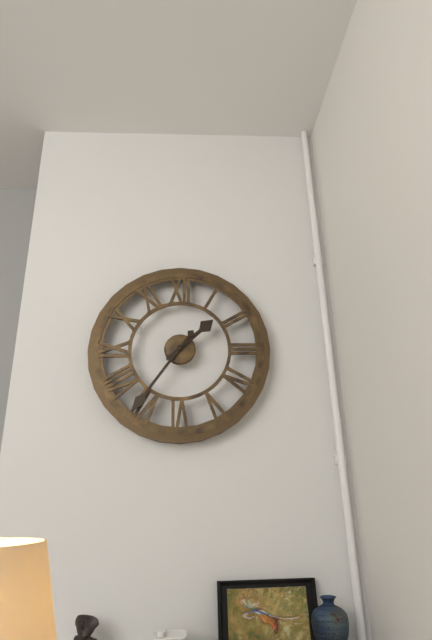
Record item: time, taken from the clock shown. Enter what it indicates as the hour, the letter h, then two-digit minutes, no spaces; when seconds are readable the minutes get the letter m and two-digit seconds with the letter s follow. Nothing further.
1h36
